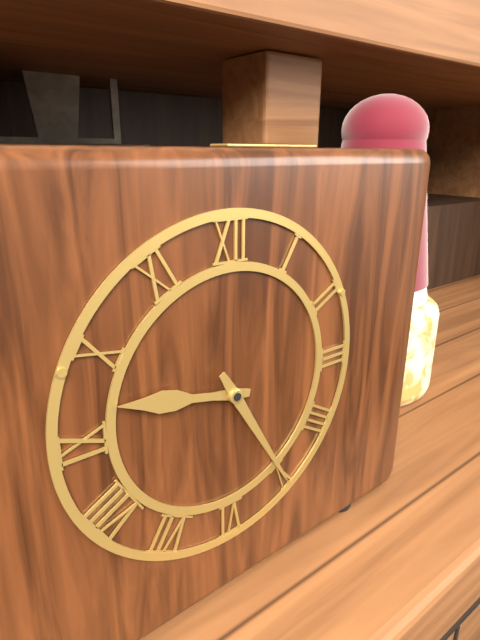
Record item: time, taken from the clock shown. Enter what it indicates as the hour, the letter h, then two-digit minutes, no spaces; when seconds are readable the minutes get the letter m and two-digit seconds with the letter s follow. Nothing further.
9h25
